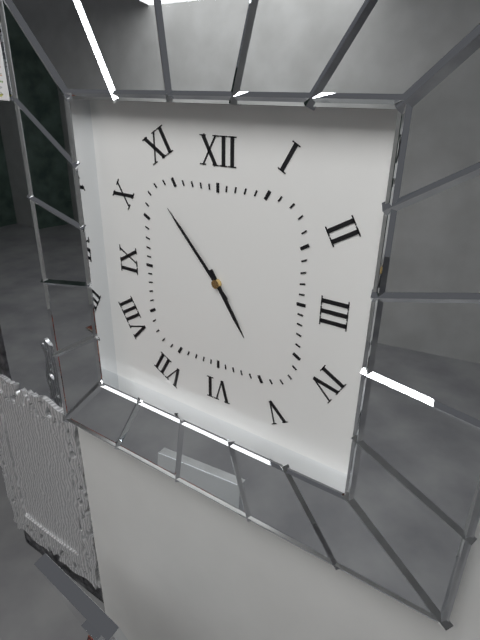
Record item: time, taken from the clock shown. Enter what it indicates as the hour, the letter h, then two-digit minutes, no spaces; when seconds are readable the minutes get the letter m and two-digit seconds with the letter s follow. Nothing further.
4h53
